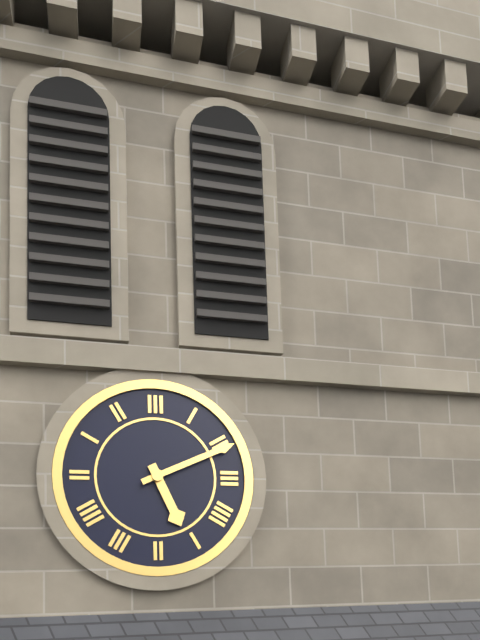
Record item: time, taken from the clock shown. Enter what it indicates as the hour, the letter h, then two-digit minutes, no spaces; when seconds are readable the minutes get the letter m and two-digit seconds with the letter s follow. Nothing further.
5h11
